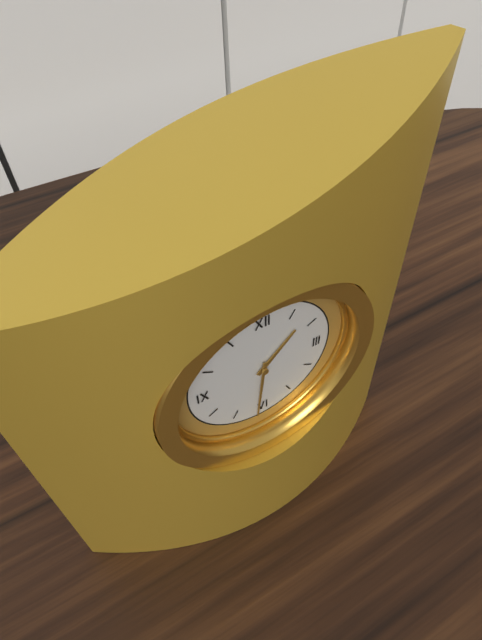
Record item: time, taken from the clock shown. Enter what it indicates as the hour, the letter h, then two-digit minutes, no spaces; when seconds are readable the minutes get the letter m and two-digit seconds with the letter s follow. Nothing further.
1h31
